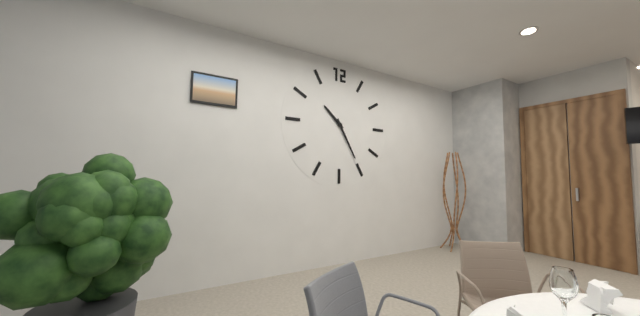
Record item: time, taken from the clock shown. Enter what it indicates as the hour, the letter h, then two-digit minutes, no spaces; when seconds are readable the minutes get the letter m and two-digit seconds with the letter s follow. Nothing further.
10h25
